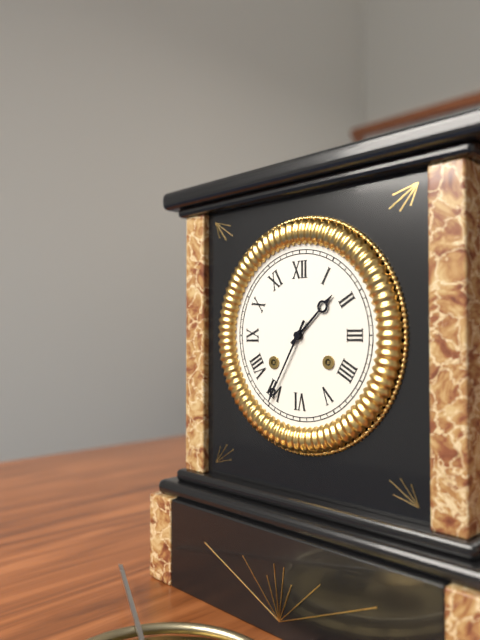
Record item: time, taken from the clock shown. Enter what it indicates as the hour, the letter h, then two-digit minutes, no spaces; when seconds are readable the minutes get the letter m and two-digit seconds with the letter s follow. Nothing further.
1h35
